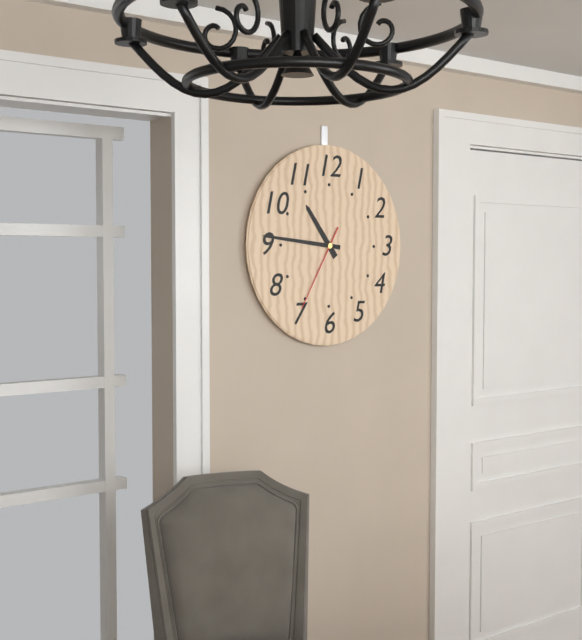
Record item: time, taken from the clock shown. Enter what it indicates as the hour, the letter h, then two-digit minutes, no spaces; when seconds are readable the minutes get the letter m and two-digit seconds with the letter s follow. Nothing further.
10h46m35s
